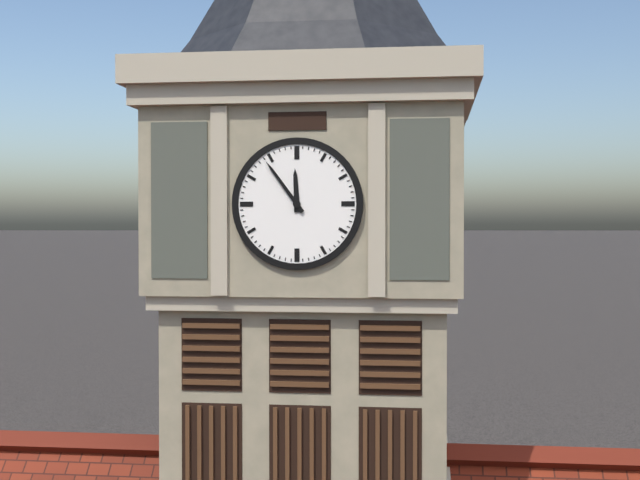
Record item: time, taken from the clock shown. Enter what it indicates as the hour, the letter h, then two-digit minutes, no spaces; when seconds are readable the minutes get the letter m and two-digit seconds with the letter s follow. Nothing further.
11h54
